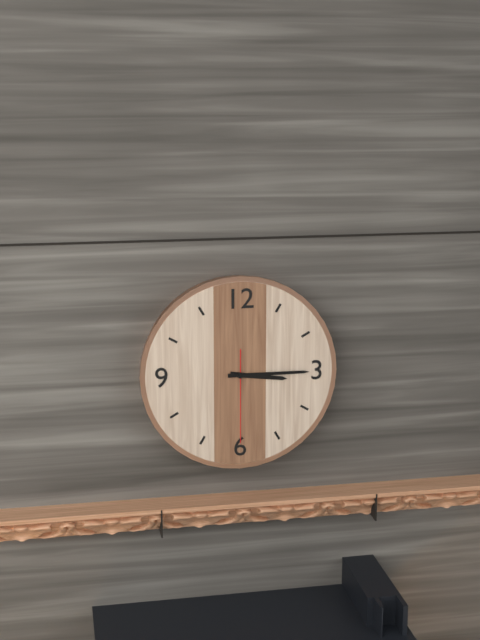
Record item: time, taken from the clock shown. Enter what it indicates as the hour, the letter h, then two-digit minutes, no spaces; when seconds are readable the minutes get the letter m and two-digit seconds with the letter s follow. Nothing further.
3h15m30s
